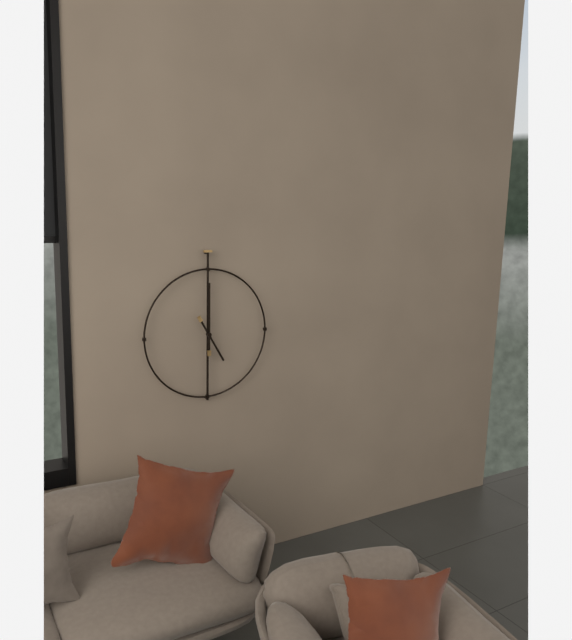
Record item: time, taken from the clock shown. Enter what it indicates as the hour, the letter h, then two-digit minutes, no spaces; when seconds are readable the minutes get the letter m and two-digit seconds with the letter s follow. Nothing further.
5h00
